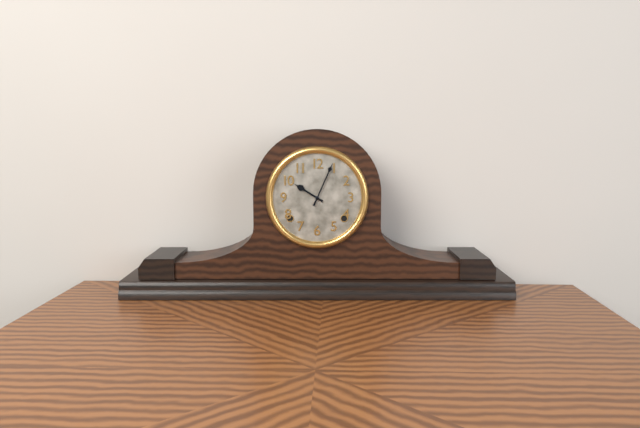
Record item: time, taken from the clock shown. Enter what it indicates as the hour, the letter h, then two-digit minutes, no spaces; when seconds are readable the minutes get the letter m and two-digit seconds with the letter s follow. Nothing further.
10h04
